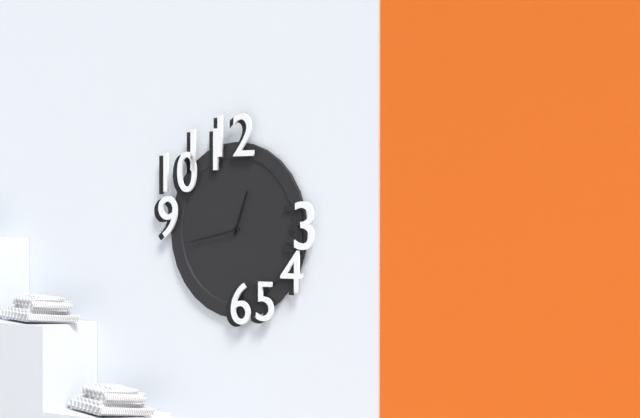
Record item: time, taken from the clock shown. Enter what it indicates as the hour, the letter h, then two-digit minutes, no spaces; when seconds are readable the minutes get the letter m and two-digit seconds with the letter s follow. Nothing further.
12h43
